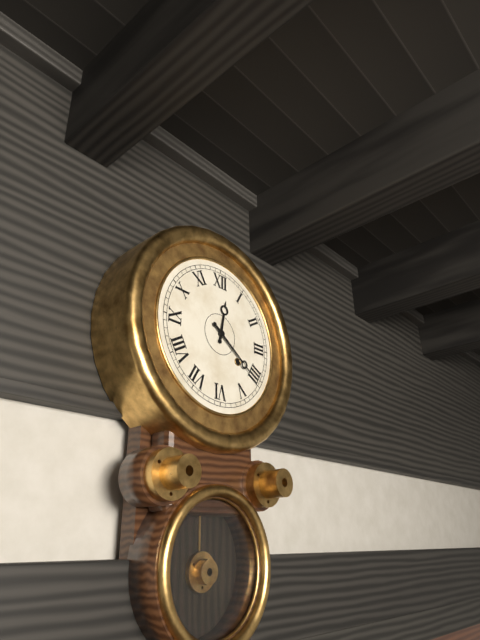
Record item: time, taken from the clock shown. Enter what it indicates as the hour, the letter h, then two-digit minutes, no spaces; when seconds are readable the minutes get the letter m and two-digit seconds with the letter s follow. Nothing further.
12h21
